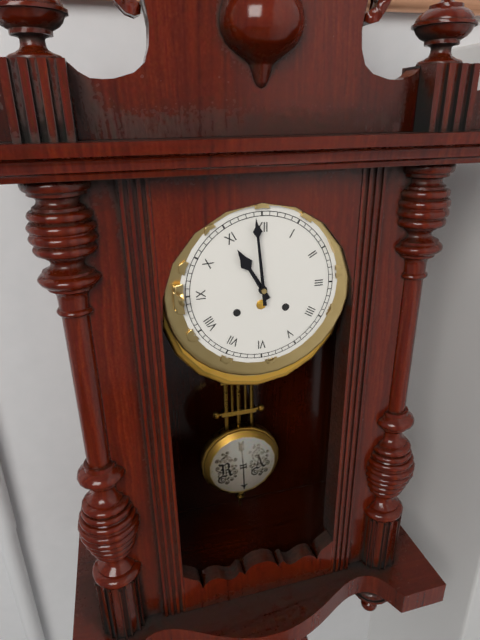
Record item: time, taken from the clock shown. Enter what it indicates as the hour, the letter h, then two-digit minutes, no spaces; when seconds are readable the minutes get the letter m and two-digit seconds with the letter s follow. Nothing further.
10h59
